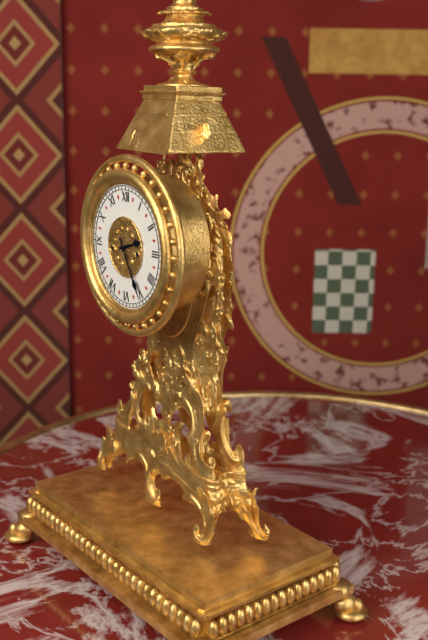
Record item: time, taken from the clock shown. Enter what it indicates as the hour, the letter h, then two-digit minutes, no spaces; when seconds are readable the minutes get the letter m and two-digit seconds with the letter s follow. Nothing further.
2h25
